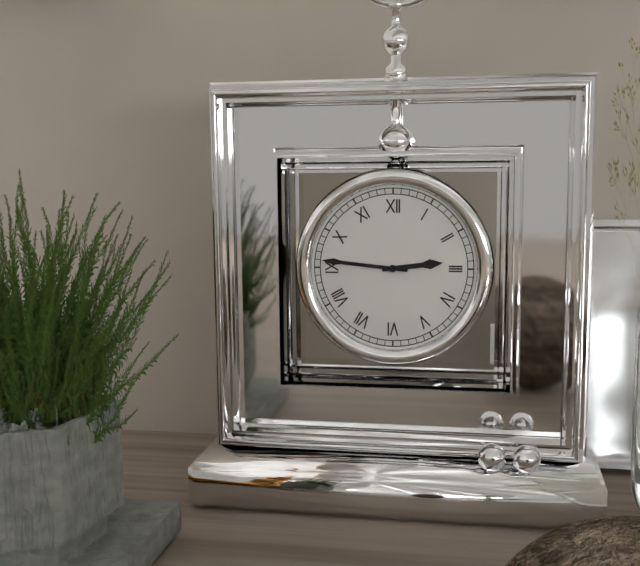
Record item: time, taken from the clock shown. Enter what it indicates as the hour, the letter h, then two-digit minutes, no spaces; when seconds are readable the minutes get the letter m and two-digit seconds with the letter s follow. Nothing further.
2h46
